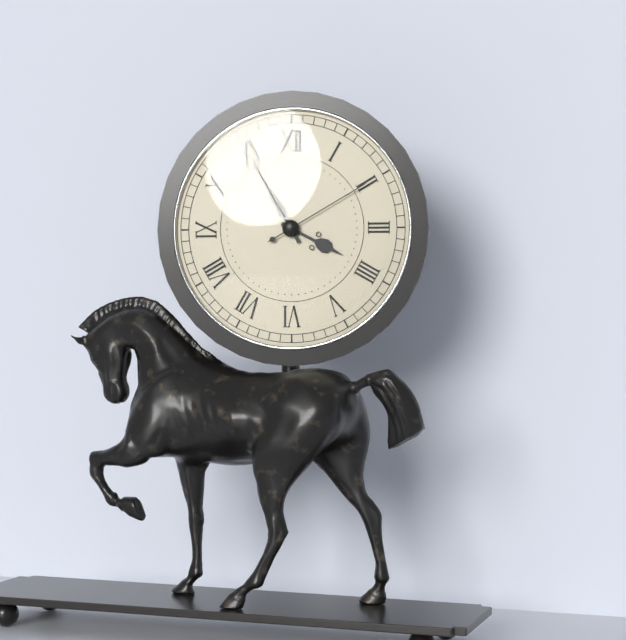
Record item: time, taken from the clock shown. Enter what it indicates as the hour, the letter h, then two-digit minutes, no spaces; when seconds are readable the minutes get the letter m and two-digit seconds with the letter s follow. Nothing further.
3h55m10s
